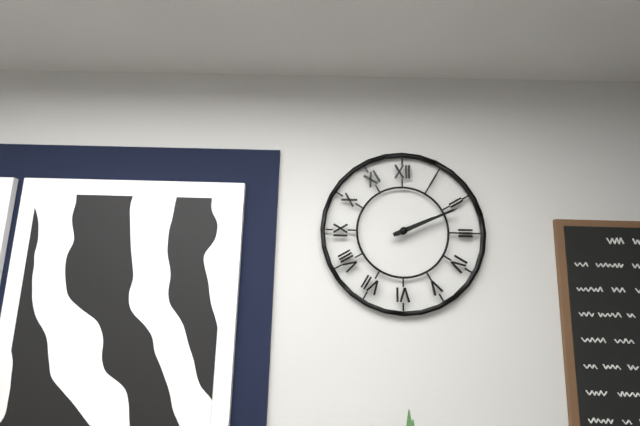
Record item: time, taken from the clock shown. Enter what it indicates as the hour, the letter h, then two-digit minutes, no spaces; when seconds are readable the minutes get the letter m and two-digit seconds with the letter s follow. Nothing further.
2h11
